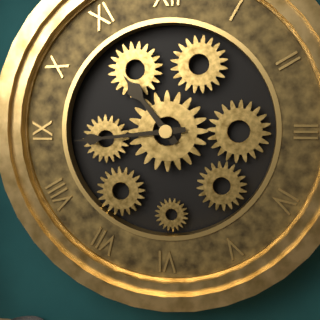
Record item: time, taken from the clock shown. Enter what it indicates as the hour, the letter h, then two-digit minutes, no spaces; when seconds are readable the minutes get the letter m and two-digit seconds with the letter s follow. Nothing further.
10h44
